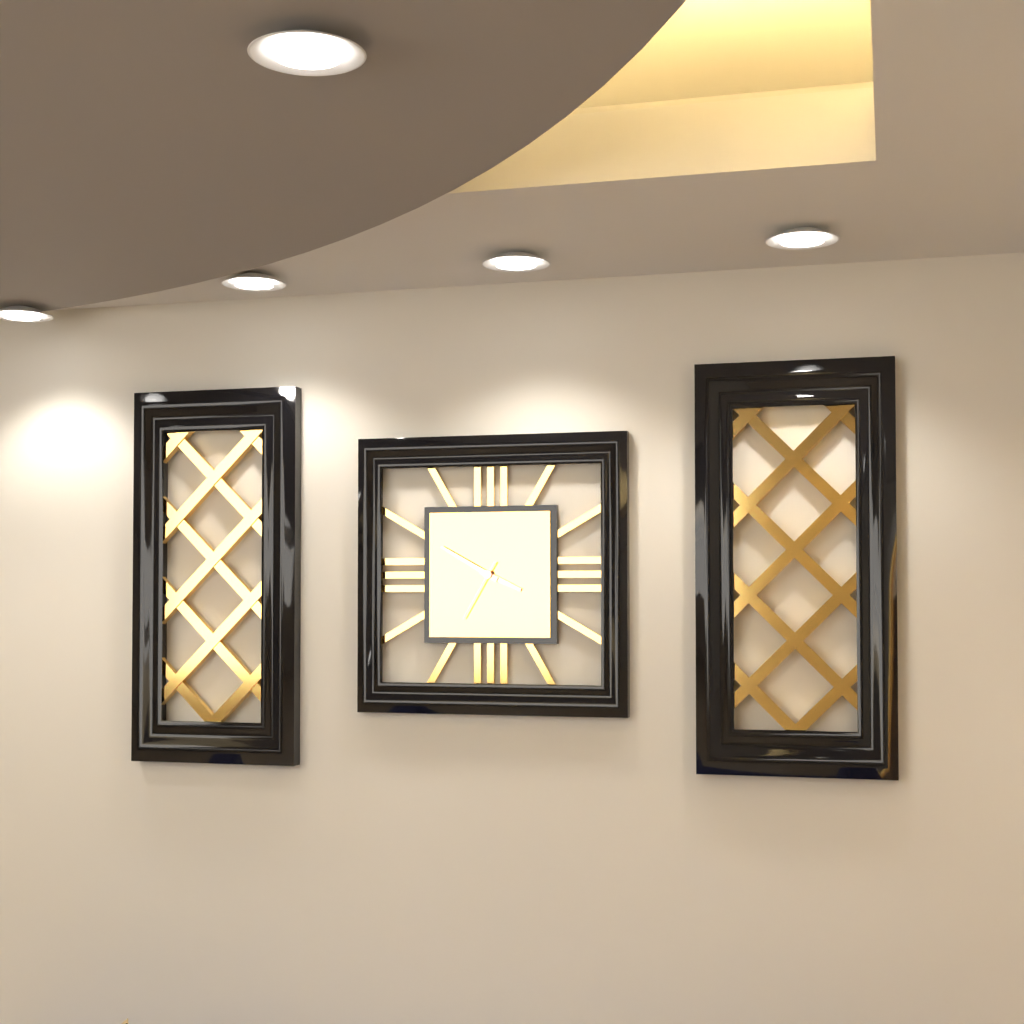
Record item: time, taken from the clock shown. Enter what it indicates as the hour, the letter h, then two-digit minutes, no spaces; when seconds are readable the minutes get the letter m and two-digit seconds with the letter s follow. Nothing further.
3h50m35s
